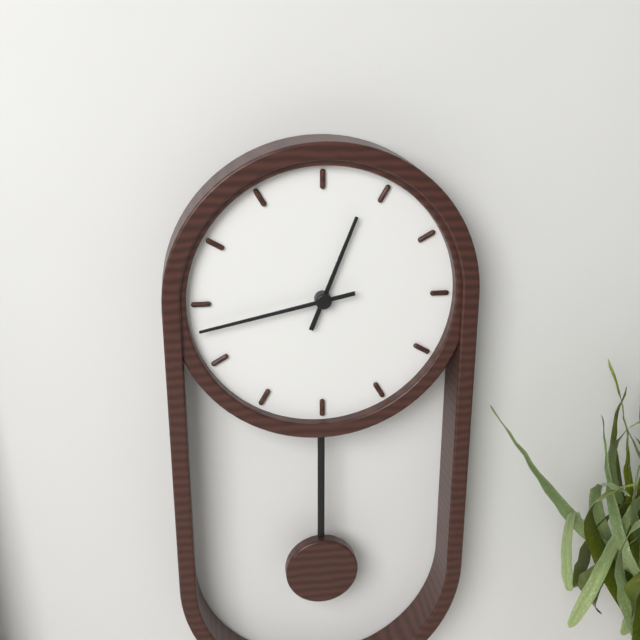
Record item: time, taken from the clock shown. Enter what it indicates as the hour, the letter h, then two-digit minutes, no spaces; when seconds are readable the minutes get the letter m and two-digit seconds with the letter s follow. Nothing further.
12h43
